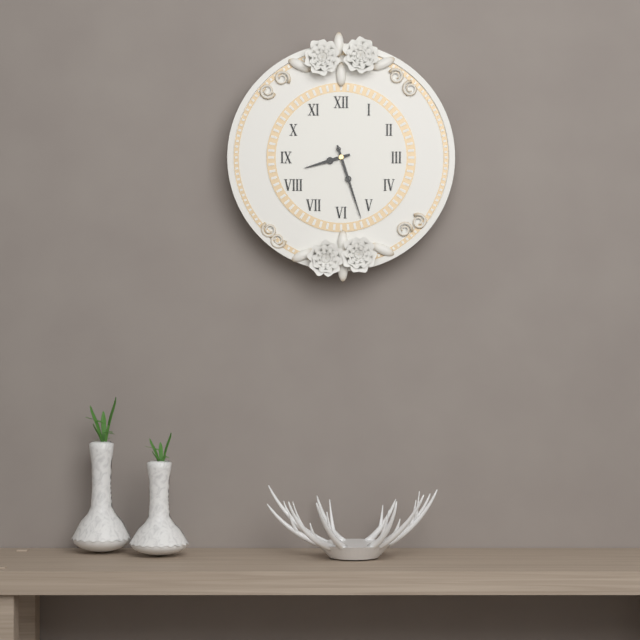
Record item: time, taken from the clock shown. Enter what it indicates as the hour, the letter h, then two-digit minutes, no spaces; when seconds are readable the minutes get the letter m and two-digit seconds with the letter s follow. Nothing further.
8h27
